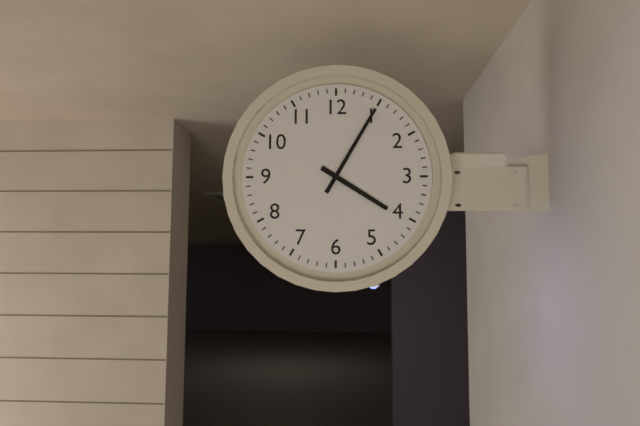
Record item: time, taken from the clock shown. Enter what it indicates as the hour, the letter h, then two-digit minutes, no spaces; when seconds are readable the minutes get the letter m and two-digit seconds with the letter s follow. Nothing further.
4h05
